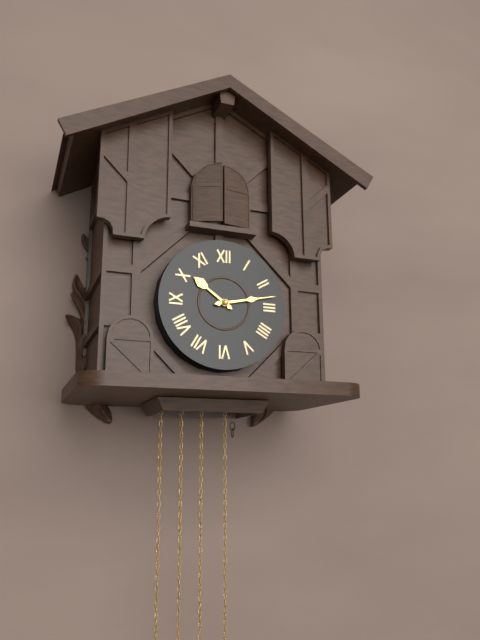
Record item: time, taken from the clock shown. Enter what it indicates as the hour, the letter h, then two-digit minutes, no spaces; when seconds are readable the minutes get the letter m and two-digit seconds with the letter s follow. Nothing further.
10h13
